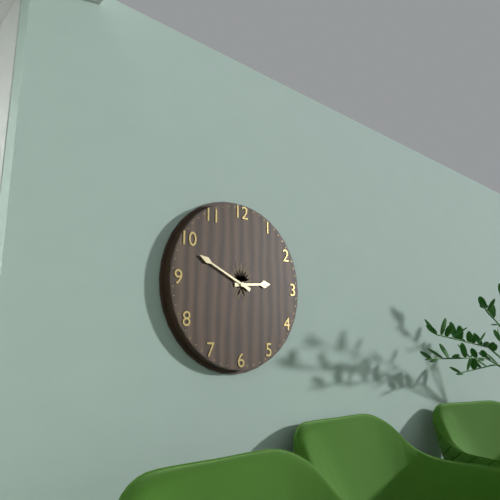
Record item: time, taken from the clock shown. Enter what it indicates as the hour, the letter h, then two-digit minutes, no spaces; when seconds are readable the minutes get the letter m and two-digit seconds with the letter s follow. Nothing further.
2h49
